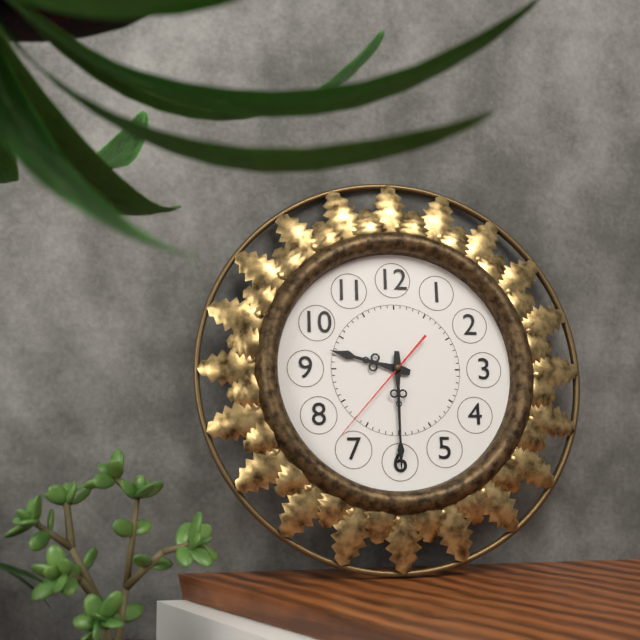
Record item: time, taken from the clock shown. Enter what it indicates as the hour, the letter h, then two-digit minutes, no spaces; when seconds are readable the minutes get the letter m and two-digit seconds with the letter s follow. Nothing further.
9h30m37s
